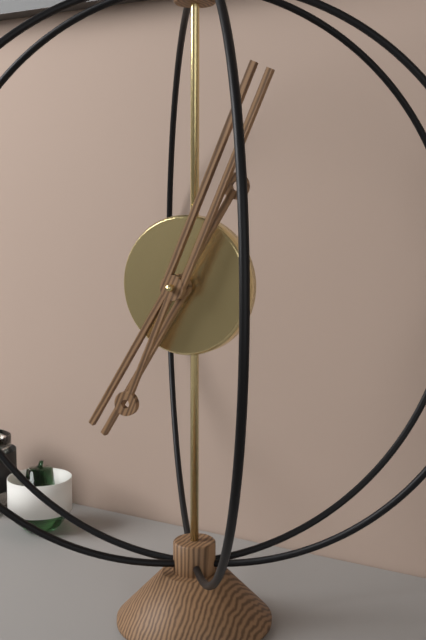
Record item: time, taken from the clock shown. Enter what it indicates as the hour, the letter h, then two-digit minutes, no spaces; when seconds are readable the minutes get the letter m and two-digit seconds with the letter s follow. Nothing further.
7h04
